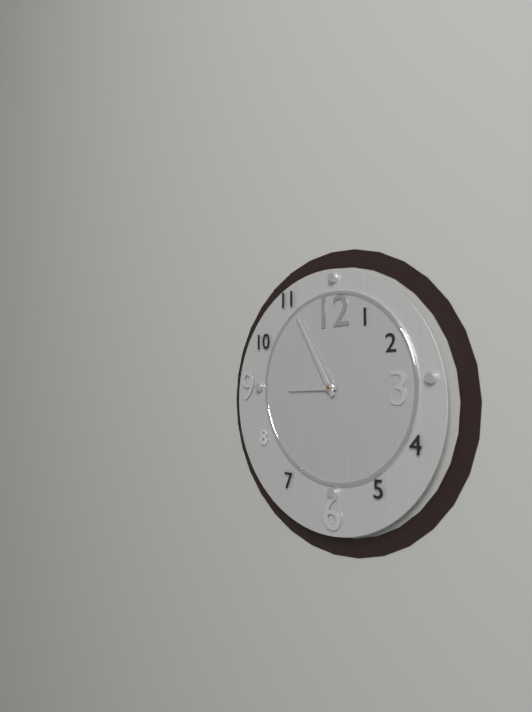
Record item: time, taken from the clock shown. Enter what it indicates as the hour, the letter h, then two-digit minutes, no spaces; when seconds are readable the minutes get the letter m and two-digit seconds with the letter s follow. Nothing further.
8h55
